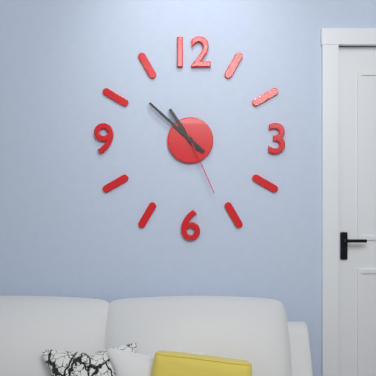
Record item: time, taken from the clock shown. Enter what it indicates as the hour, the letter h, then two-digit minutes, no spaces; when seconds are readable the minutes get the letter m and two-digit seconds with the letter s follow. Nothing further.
10h52m26s
